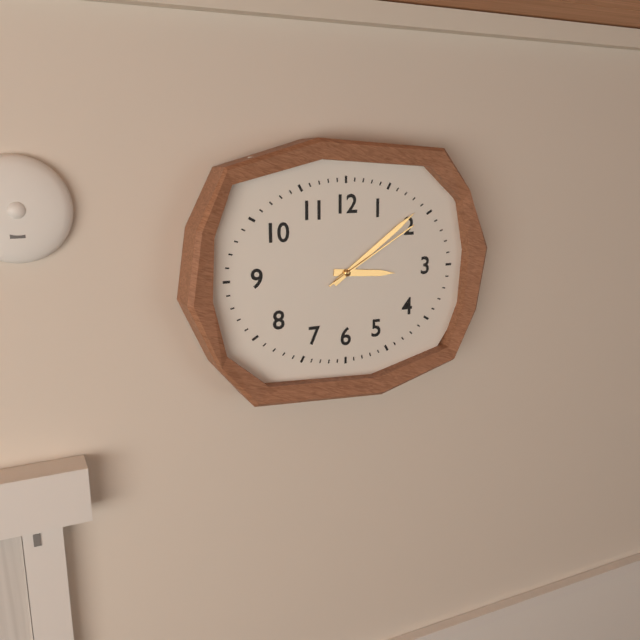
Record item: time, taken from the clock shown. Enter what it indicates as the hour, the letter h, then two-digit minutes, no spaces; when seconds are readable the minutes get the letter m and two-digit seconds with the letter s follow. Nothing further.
3h09m10s
